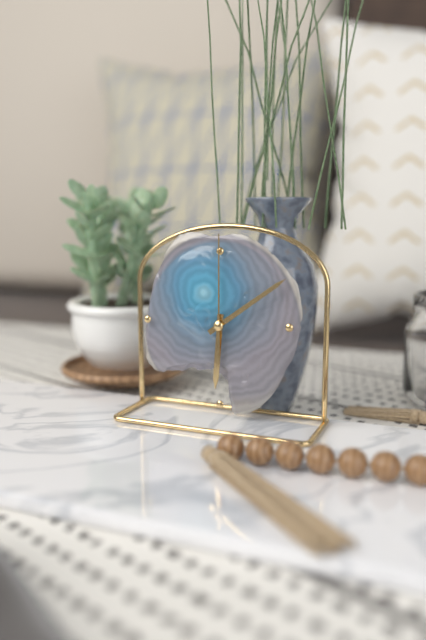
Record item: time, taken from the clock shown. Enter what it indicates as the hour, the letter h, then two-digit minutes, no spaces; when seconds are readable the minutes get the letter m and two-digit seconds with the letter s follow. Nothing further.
6h09m00s
